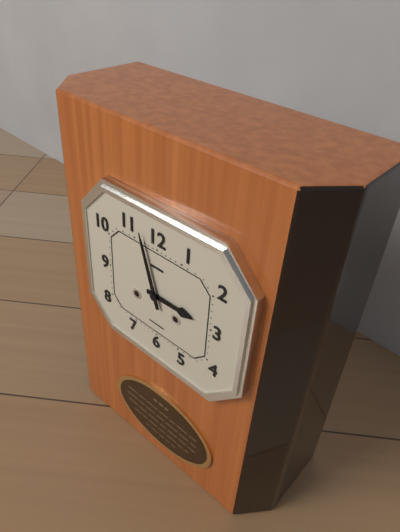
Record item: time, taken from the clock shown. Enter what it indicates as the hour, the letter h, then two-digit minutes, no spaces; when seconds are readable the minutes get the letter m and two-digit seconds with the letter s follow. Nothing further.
2h57
